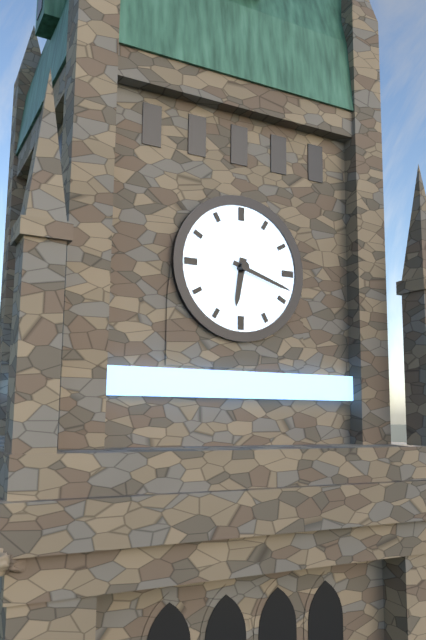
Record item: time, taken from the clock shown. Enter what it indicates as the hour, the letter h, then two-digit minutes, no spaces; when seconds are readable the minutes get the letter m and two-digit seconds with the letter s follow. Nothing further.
6h18
